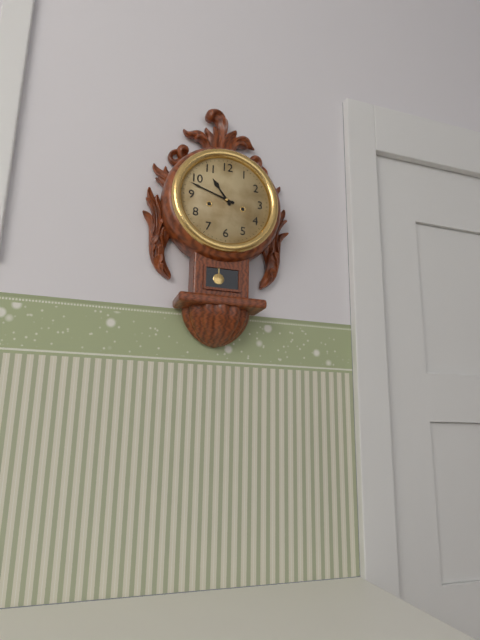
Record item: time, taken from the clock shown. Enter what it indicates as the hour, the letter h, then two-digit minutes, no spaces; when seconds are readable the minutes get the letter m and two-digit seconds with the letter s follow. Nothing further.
10h48
